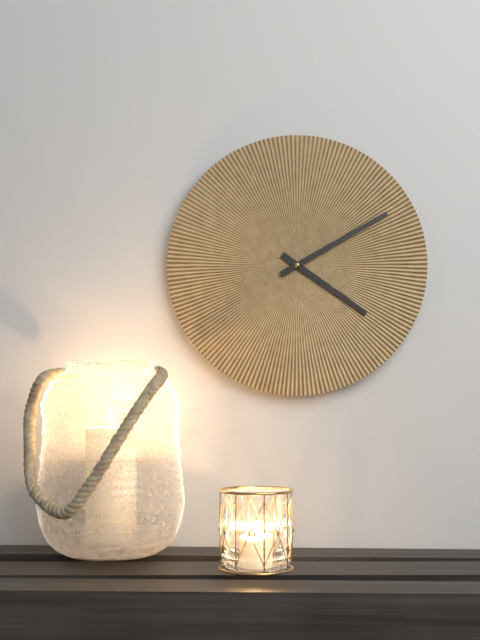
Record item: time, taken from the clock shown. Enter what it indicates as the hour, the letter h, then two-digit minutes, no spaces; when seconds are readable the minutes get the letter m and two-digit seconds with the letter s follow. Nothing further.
4h10
